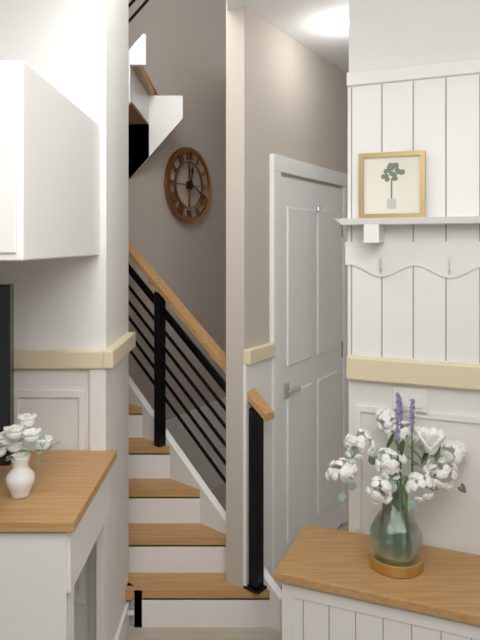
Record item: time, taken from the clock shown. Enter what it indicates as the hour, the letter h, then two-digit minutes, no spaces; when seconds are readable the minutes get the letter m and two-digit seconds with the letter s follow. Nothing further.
12h19
